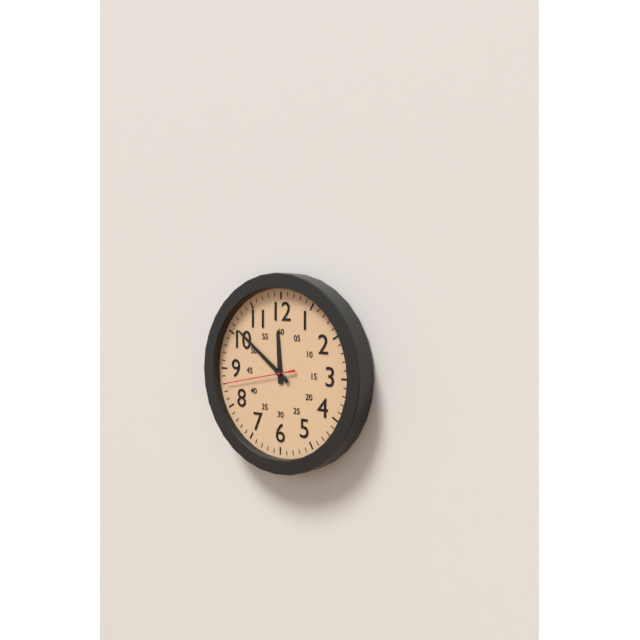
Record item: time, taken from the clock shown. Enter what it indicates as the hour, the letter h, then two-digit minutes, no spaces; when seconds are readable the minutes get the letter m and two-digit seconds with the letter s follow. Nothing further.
11h51m43s
